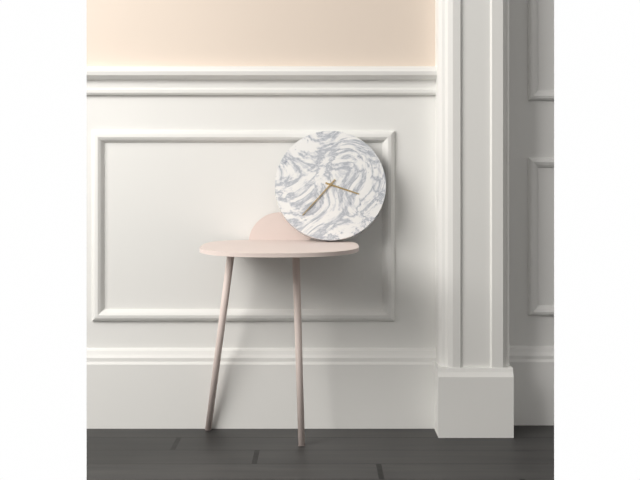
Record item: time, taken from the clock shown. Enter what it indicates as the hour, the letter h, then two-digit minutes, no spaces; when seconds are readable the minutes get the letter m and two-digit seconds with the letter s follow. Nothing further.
3h37
